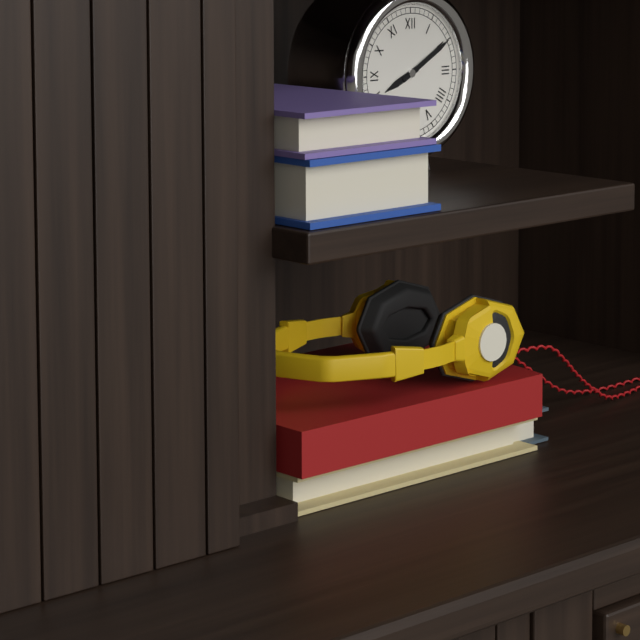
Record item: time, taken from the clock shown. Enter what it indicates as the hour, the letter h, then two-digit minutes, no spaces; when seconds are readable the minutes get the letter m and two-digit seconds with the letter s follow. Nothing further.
8h10
